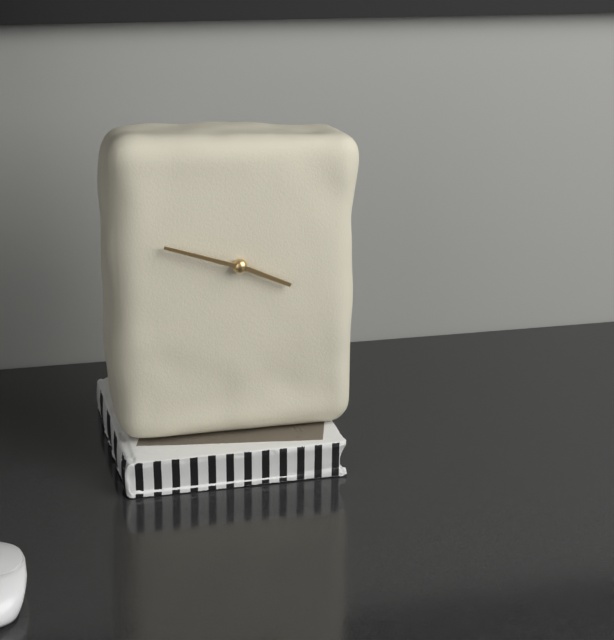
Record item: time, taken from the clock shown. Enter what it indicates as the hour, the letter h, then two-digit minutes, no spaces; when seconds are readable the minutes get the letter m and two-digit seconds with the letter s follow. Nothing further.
3h48
